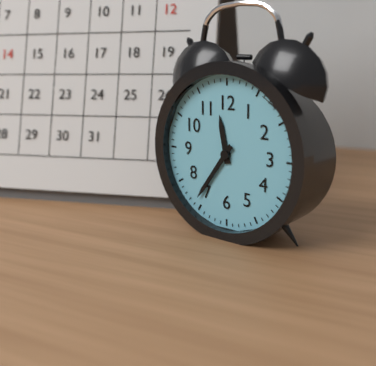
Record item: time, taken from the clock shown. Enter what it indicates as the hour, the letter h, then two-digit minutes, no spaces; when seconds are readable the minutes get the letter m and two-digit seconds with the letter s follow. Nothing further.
11h36
